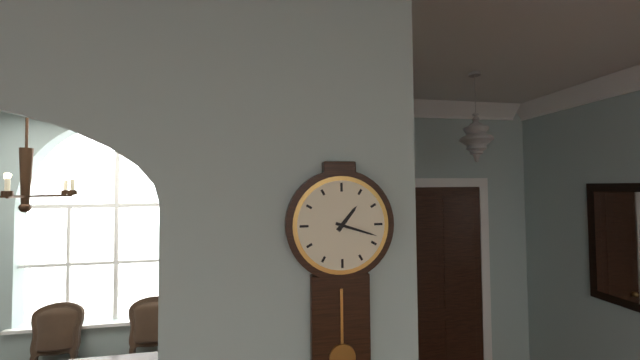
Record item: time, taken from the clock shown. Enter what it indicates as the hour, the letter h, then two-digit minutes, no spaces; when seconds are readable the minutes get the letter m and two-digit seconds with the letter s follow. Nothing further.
1h18
